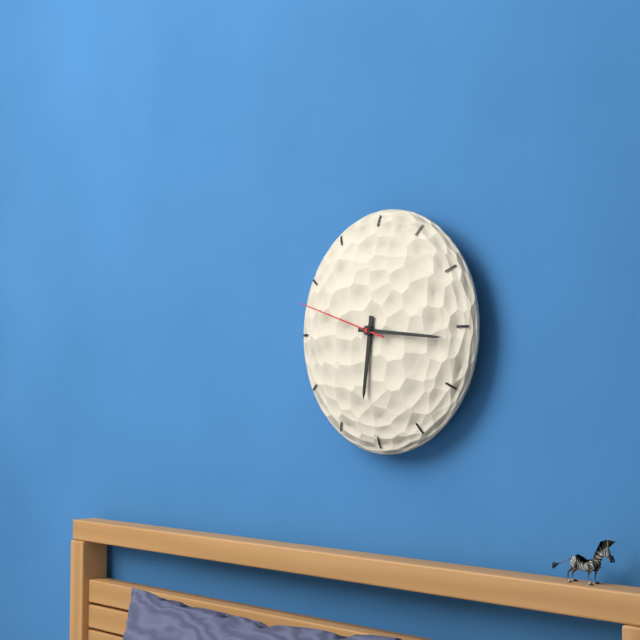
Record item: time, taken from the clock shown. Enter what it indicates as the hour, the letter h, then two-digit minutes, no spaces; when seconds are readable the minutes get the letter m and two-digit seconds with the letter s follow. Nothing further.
6h16m48s
